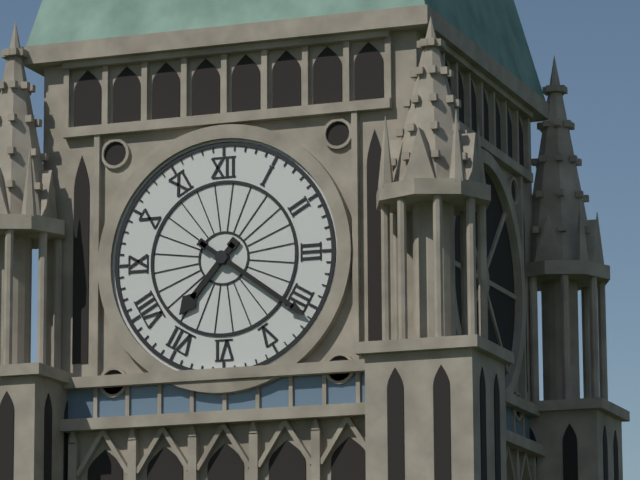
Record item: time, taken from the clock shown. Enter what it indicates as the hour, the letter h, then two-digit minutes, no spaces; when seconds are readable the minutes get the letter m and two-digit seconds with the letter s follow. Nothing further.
7h21
